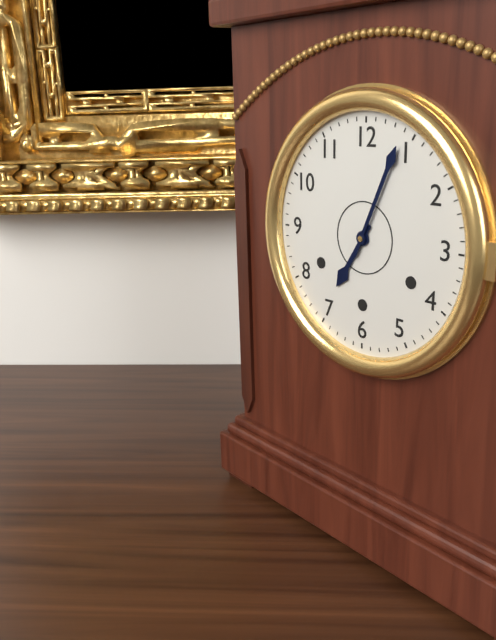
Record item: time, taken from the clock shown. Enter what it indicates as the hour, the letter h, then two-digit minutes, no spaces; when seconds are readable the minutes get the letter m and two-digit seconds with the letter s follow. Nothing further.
7h04
